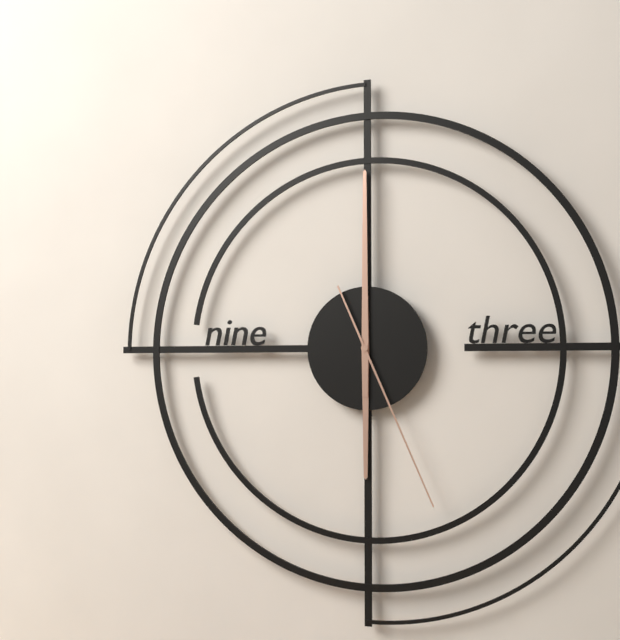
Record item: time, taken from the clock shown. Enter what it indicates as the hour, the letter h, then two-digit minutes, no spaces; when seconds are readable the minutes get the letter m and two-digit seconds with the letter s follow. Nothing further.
6h00m26s
